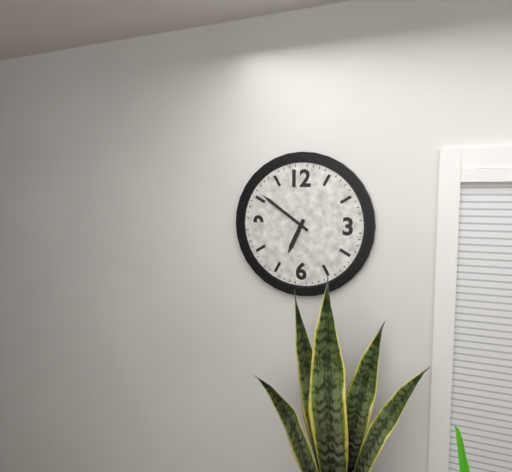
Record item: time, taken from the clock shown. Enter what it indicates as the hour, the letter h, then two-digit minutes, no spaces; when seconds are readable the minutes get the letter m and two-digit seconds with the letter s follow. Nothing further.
6h51
